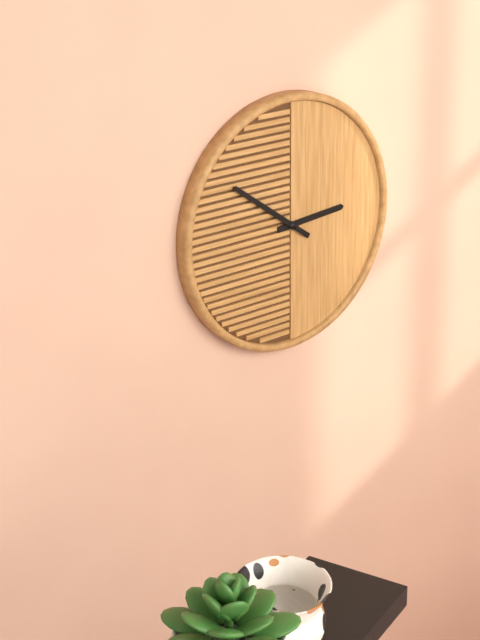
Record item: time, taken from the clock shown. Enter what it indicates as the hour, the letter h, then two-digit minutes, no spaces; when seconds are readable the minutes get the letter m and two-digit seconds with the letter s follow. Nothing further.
2h51
